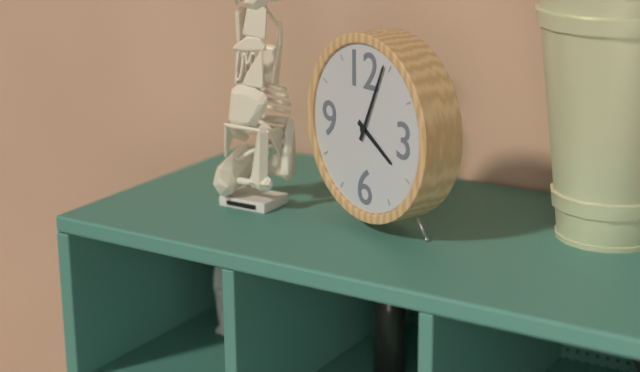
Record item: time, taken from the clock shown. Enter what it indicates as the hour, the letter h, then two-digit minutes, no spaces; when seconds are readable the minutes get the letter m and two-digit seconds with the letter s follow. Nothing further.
4h04
